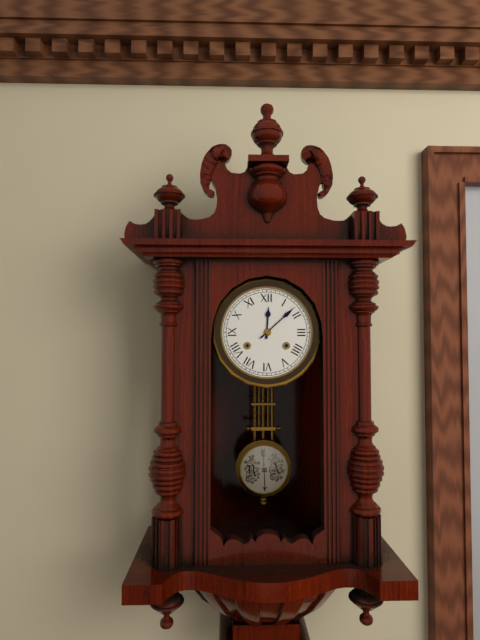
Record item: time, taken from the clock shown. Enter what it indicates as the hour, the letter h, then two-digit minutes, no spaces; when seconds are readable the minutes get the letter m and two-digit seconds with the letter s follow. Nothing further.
12h08
